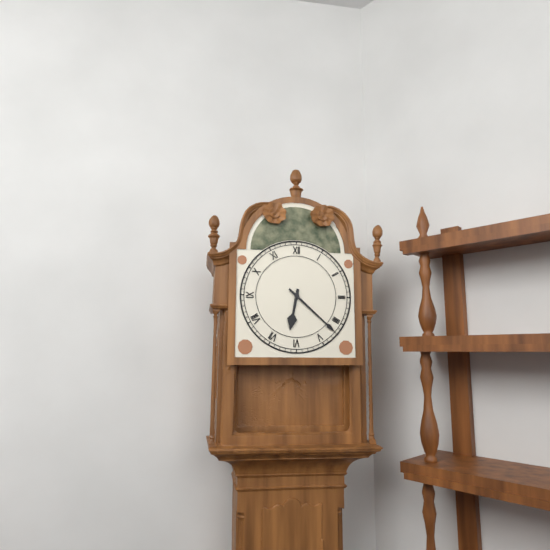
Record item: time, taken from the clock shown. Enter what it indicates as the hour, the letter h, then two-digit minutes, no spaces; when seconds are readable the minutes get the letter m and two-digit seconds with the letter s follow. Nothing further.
6h22
